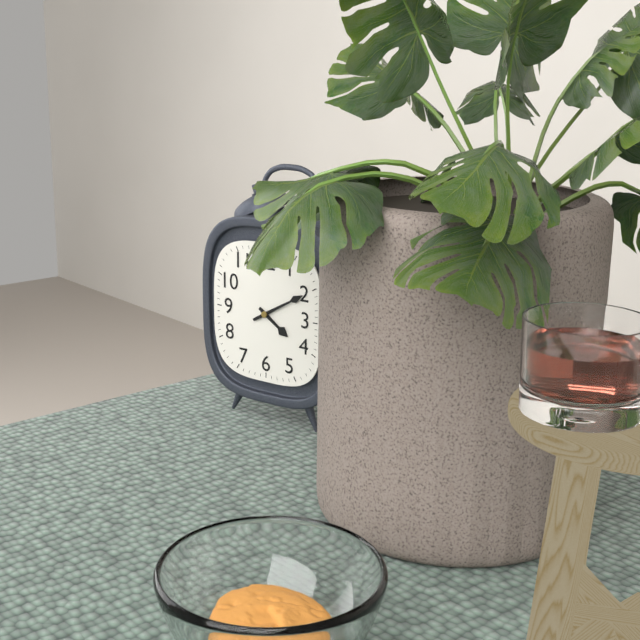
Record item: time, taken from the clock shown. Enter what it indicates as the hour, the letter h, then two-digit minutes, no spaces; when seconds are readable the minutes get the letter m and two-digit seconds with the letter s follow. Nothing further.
4h10
